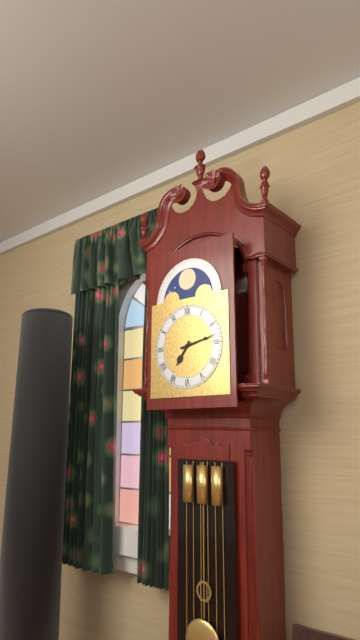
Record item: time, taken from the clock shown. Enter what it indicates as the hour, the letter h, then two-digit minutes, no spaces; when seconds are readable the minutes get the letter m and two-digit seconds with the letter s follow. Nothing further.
7h13
